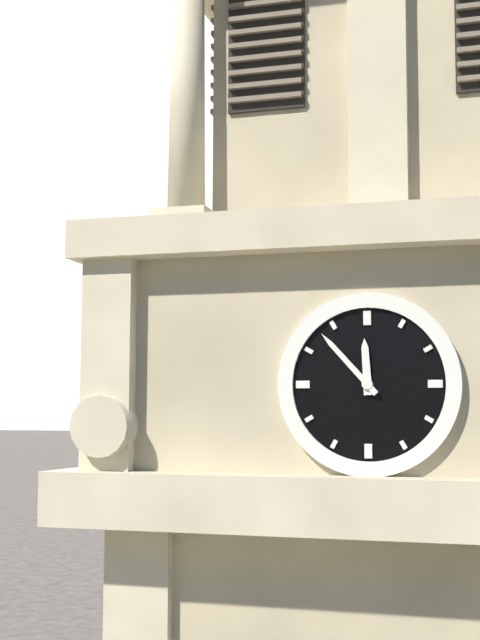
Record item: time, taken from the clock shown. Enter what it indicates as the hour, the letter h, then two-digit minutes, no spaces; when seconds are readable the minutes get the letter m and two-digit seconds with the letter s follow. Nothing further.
11h53
